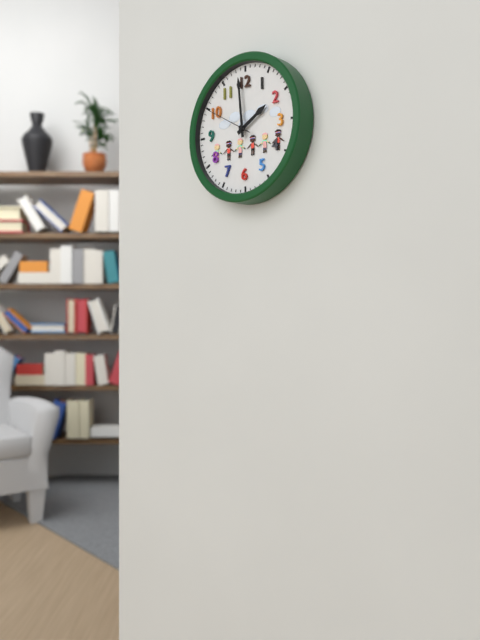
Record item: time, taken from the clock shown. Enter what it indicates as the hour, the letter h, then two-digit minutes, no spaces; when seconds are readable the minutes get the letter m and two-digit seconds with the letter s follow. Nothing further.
1h59m50s
